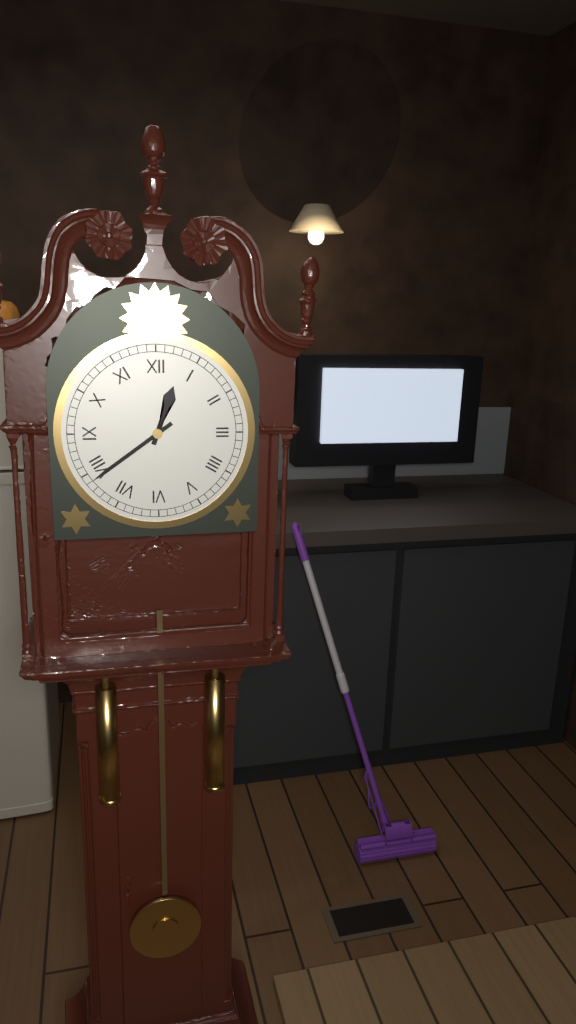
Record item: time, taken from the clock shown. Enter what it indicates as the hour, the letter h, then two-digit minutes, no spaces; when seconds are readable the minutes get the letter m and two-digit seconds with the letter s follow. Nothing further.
12h39
